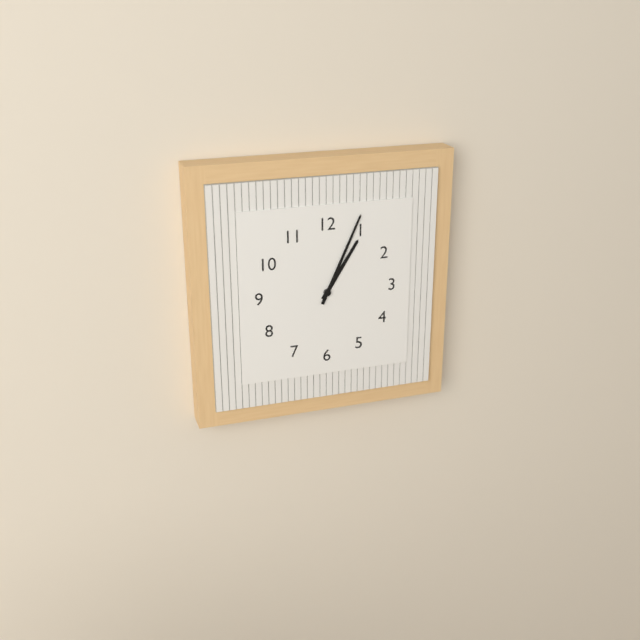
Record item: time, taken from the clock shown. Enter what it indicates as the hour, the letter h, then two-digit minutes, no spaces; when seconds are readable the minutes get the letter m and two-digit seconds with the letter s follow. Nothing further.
1h04
